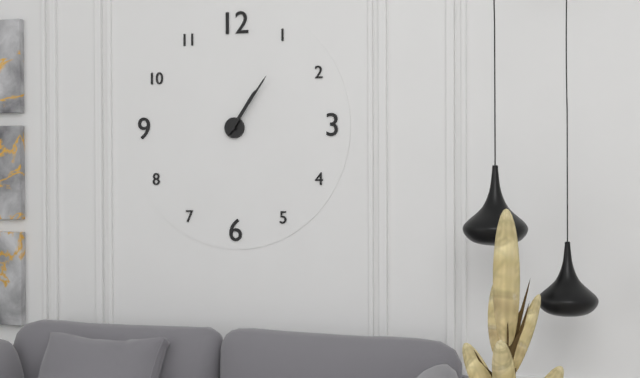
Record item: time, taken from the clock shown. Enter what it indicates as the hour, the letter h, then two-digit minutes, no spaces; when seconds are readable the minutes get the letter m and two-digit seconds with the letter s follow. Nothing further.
1h06
